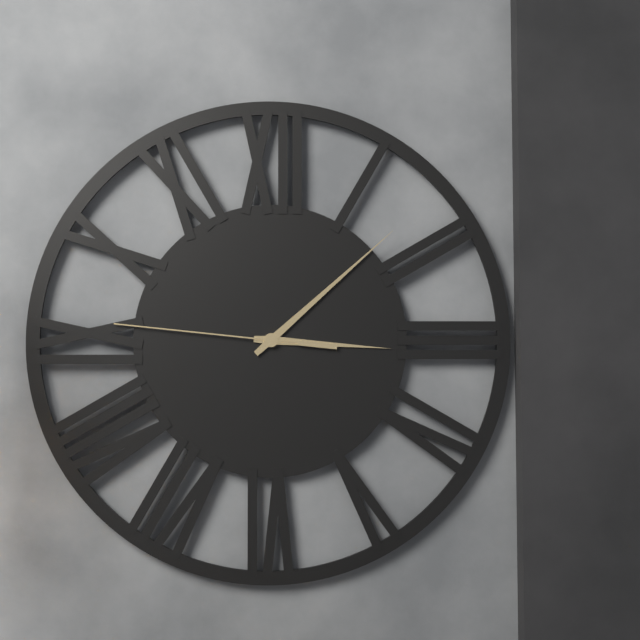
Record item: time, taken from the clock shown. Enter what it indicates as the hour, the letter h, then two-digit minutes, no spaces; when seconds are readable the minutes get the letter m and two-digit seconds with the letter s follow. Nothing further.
3h08m46s
